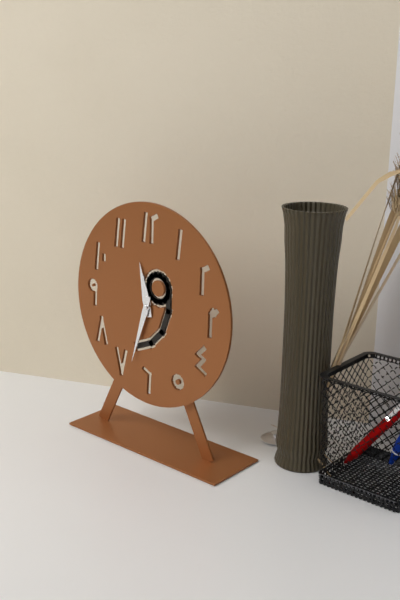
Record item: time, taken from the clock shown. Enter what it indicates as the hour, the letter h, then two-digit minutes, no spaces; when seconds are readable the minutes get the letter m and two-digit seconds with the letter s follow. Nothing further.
11h33
